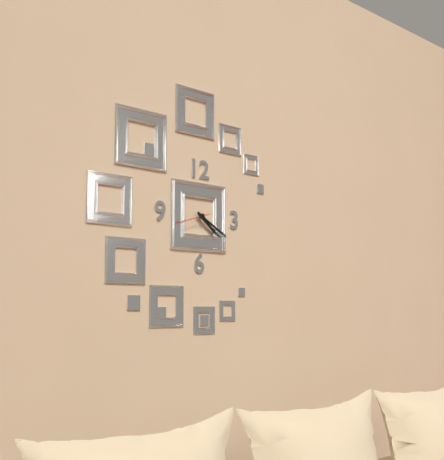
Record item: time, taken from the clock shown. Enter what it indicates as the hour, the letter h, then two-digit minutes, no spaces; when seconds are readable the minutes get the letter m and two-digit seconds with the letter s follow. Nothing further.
4h20
